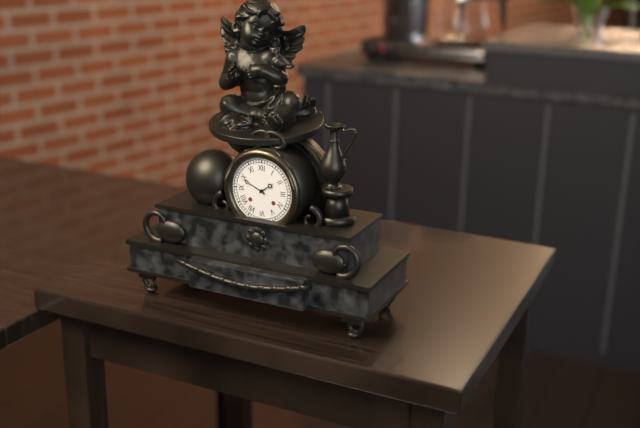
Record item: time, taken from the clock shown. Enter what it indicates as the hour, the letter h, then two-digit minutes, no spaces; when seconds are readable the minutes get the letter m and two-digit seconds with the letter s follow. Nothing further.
1h49
